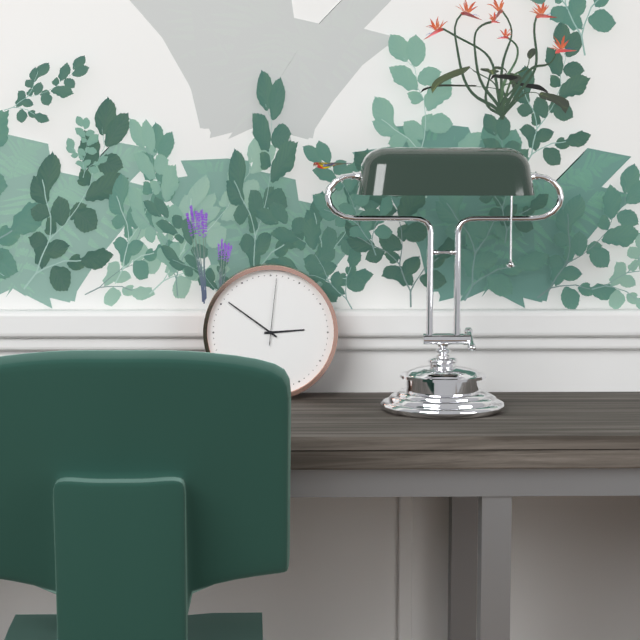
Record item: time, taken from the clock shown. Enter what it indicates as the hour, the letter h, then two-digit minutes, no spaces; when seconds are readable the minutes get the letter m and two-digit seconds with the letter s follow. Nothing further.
2h51m01s
